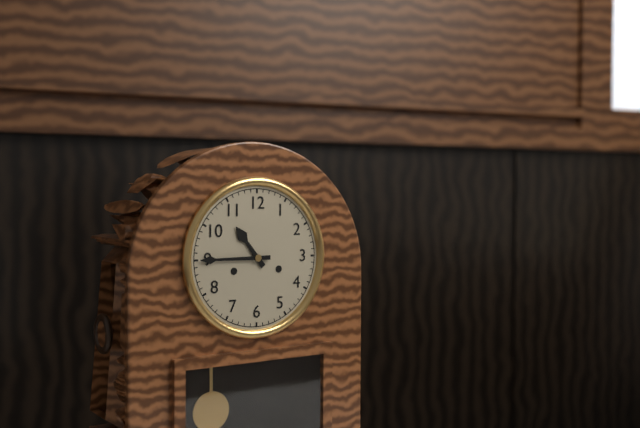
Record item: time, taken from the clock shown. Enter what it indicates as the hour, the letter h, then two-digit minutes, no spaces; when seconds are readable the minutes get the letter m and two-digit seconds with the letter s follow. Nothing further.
10h45
